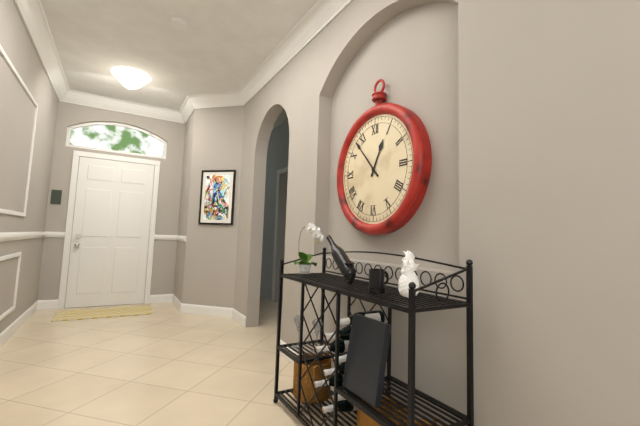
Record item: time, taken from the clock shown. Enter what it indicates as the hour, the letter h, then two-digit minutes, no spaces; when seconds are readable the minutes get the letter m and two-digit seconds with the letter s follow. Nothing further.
12h53
